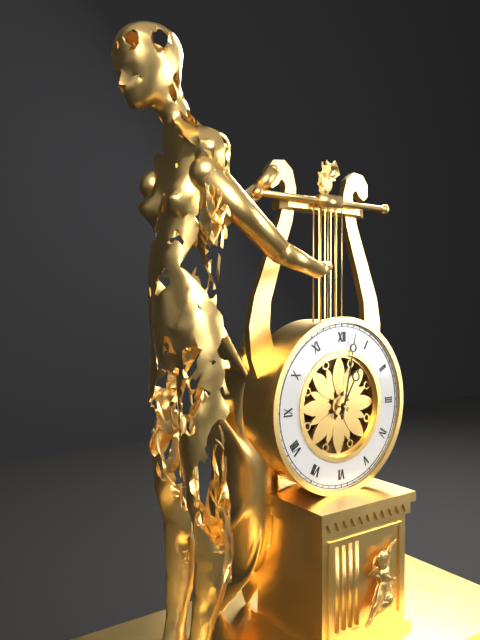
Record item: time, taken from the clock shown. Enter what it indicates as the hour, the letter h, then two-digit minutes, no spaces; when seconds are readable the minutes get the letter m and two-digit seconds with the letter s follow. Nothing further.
1h02
